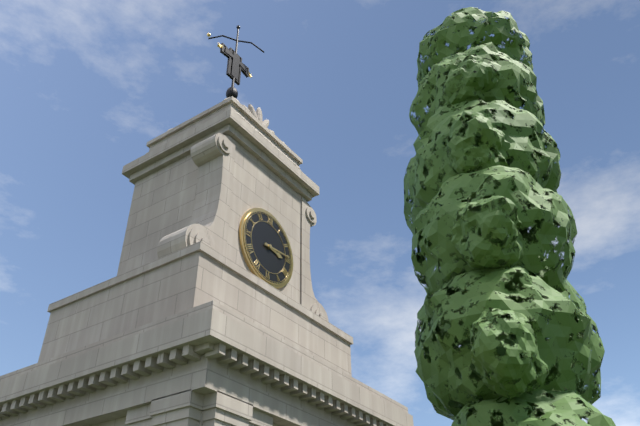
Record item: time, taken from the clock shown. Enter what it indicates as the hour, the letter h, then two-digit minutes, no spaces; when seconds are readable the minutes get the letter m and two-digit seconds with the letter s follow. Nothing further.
3h14
